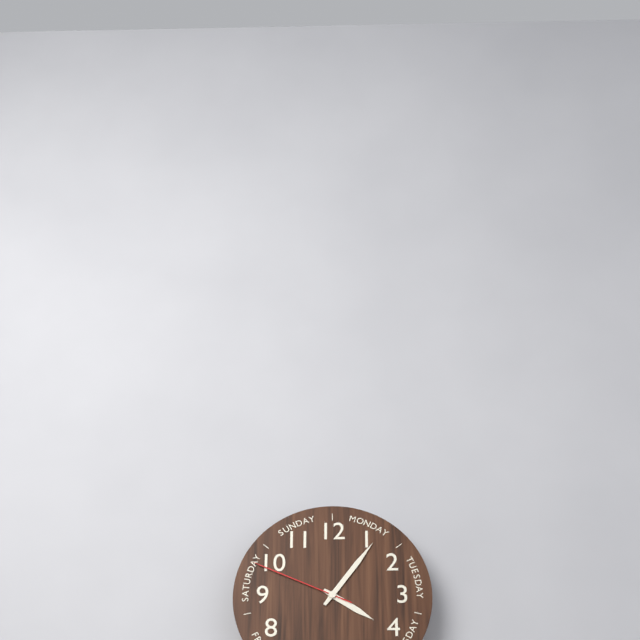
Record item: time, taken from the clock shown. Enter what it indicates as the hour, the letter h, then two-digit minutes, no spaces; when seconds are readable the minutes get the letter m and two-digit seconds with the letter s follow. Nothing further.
4h06m49s
